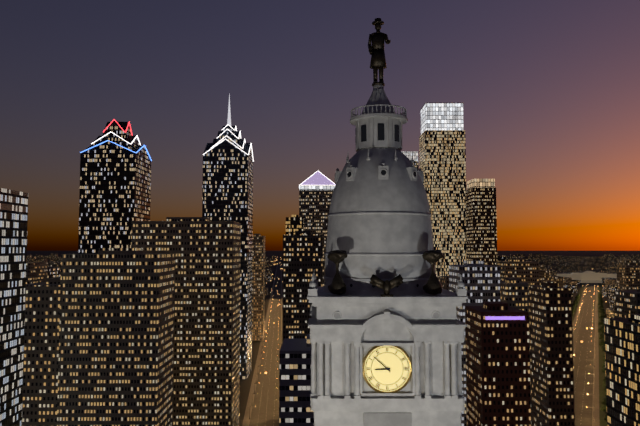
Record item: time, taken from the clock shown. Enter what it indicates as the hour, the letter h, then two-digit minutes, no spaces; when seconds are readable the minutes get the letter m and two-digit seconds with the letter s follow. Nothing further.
8h52
